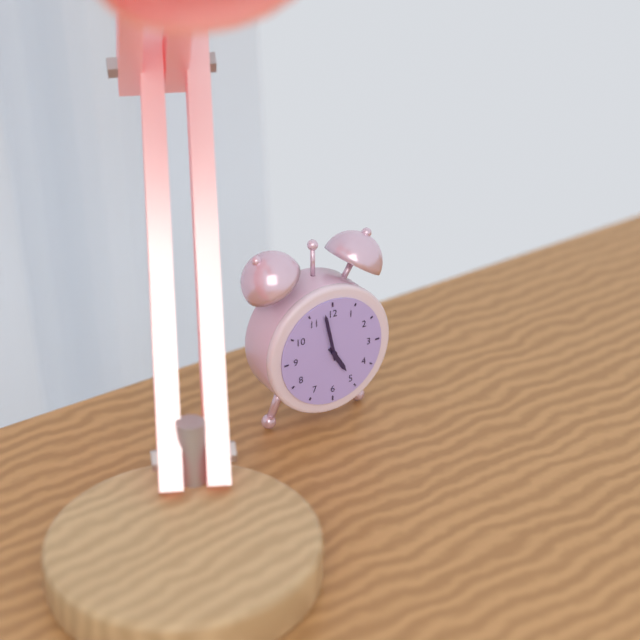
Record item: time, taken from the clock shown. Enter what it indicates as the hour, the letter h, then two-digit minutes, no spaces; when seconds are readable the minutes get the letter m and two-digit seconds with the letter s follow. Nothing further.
4h58
